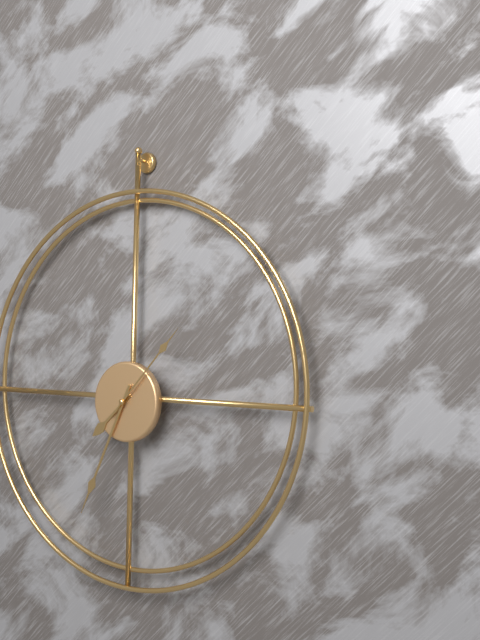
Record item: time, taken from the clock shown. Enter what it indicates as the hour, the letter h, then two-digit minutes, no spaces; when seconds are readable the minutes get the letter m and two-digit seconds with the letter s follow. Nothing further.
7h34m07s
